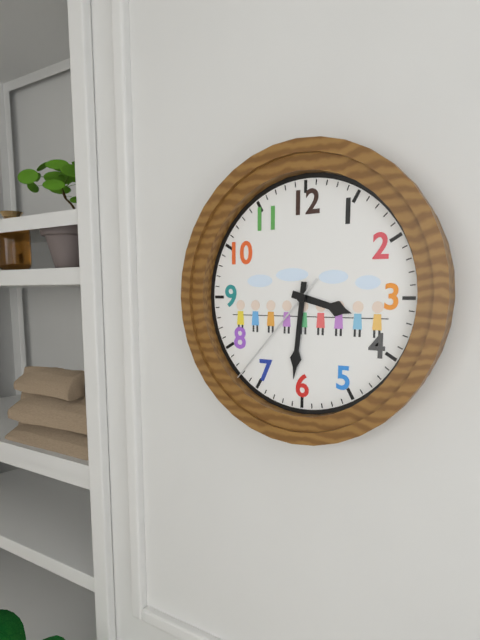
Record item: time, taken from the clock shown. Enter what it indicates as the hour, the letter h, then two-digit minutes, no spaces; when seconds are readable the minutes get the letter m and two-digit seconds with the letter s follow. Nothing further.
3h31m37s
